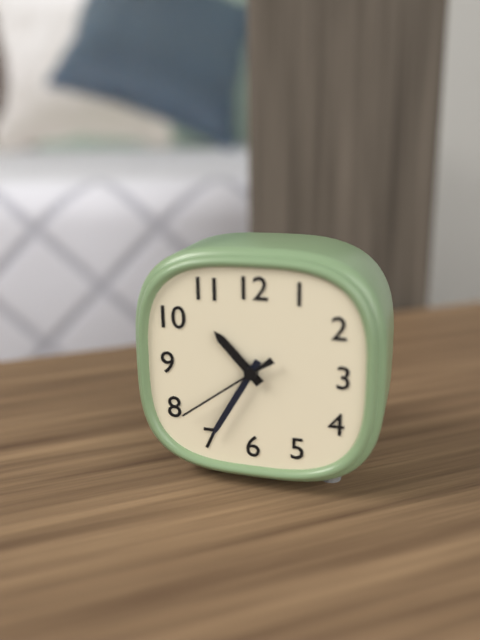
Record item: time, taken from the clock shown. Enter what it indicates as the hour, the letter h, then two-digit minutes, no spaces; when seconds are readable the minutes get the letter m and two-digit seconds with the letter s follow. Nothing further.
10h35m39s
